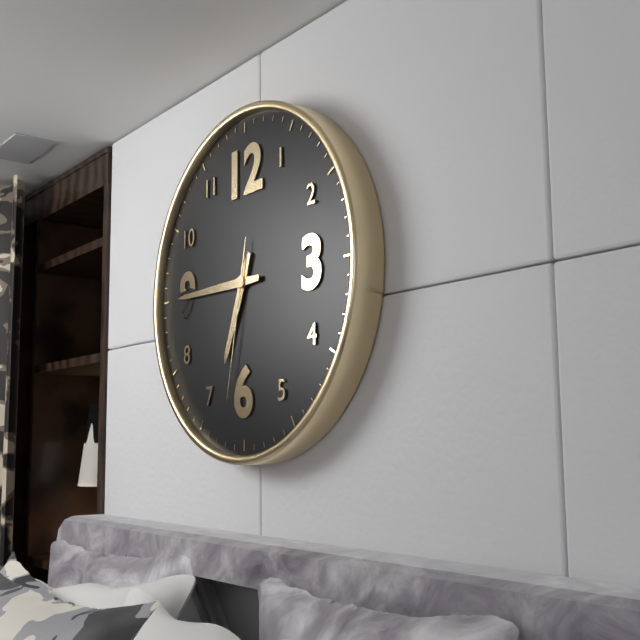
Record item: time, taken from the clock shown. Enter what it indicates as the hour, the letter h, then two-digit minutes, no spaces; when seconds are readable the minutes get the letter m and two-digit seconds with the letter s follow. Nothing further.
6h45m32s
